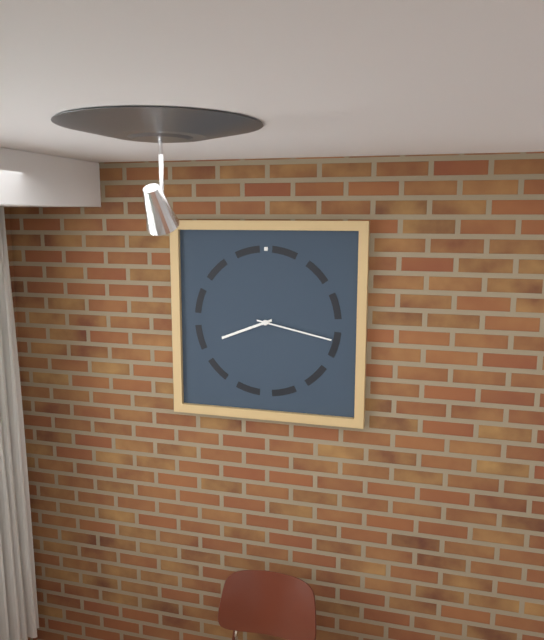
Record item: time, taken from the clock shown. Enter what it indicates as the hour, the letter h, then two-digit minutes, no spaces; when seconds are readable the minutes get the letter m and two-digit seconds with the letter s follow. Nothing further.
8h17
